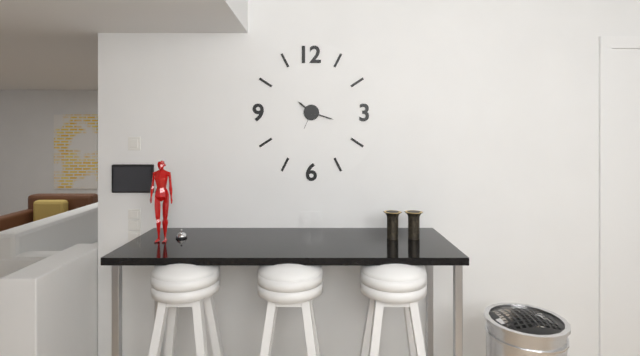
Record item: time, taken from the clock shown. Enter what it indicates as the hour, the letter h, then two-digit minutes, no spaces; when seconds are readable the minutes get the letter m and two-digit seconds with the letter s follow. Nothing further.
10h18
